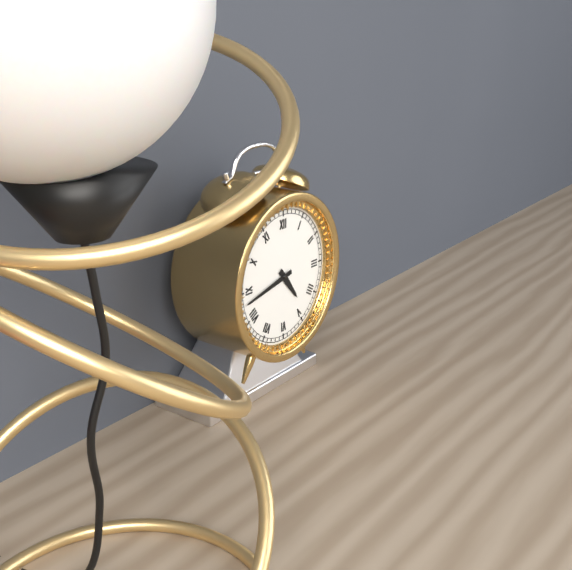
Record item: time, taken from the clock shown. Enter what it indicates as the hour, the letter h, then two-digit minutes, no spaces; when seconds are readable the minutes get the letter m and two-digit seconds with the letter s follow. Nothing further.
4h43
